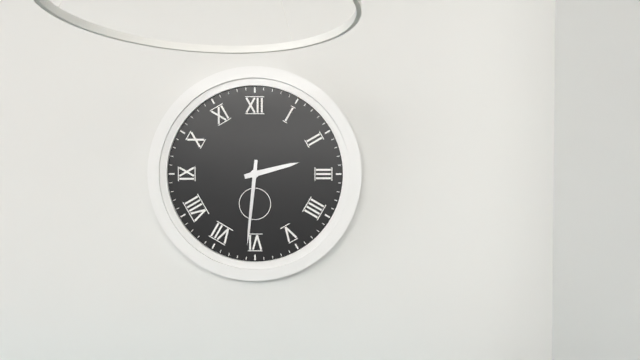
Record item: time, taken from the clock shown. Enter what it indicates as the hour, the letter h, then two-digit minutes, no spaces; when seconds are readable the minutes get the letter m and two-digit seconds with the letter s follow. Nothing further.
2h31
